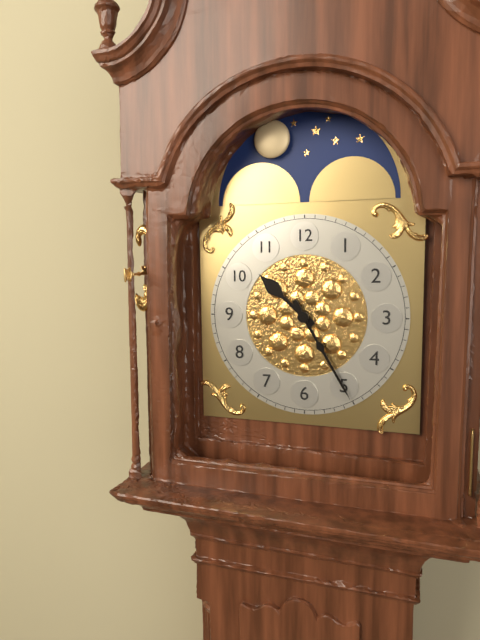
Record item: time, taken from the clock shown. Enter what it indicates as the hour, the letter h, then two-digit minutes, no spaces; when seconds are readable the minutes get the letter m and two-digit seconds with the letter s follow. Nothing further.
10h25
